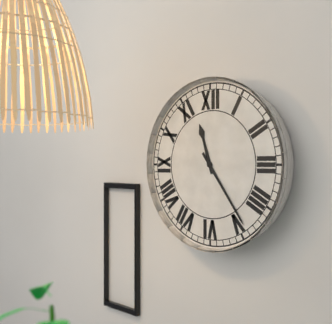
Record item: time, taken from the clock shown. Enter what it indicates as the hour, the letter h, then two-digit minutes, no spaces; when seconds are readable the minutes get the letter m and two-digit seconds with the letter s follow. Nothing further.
11h24
